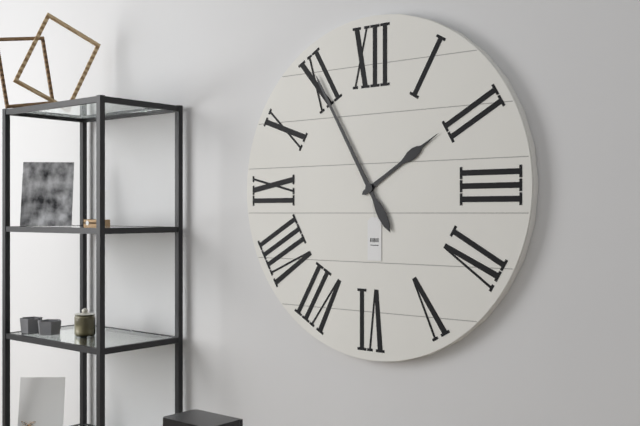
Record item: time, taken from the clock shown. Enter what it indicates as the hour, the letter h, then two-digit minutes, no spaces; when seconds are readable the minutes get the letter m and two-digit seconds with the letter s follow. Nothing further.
1h55
